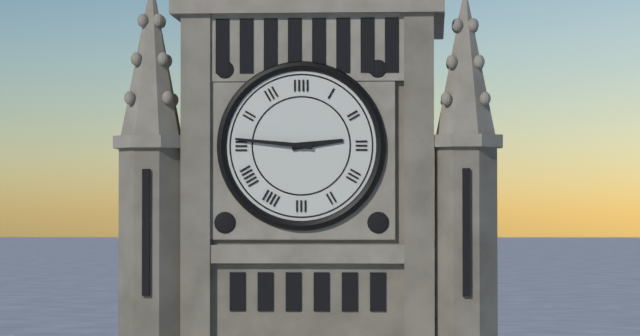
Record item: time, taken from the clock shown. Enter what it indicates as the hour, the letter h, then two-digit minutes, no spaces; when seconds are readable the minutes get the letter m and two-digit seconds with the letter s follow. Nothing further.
2h46
